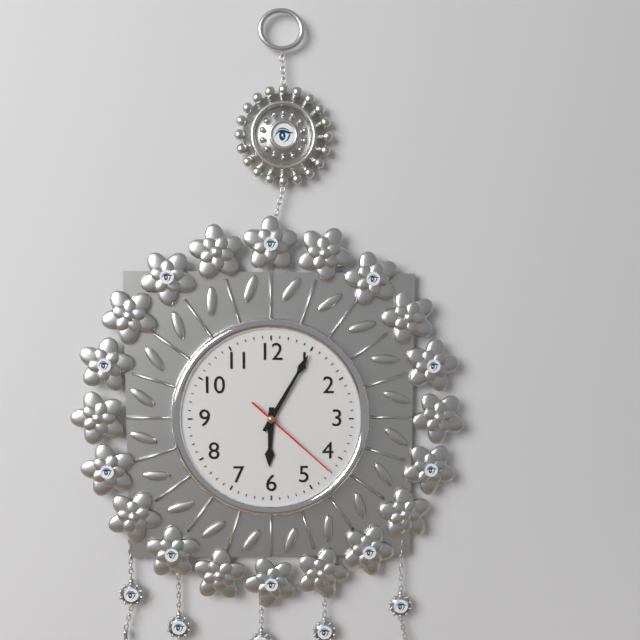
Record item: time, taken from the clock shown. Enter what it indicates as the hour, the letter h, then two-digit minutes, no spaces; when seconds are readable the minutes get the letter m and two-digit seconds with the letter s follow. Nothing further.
6h05m22s
